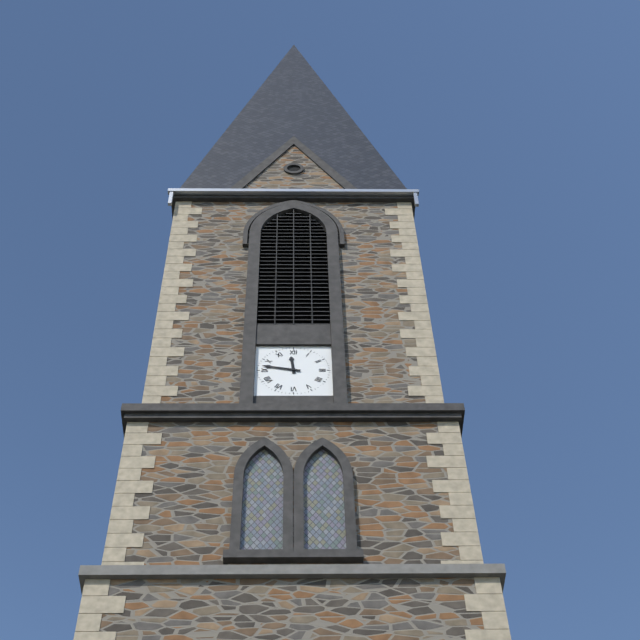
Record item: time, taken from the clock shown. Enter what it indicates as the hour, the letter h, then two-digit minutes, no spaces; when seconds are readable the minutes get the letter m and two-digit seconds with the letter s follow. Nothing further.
11h47
